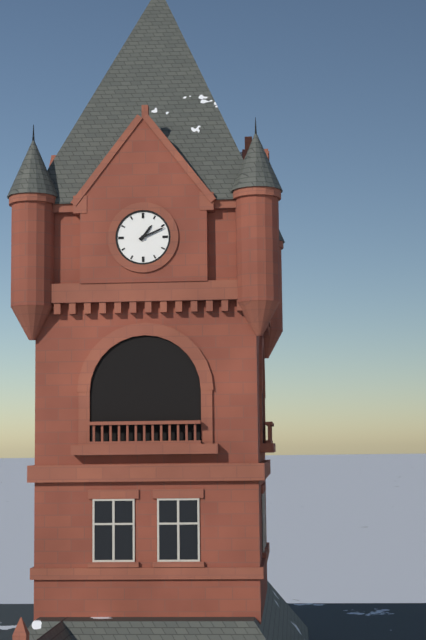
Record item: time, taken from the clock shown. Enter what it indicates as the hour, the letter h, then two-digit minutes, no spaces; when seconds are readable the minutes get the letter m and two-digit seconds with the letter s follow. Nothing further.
1h11
